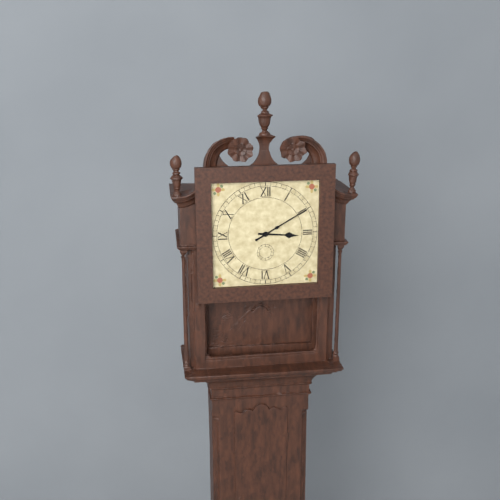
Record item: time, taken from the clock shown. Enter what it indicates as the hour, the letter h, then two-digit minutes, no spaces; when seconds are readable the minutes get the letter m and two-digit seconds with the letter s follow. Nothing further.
3h10
